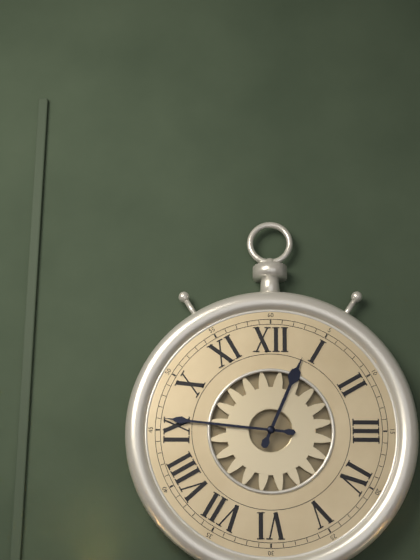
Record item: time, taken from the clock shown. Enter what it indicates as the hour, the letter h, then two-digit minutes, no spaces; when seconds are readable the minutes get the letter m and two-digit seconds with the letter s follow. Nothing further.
12h46
